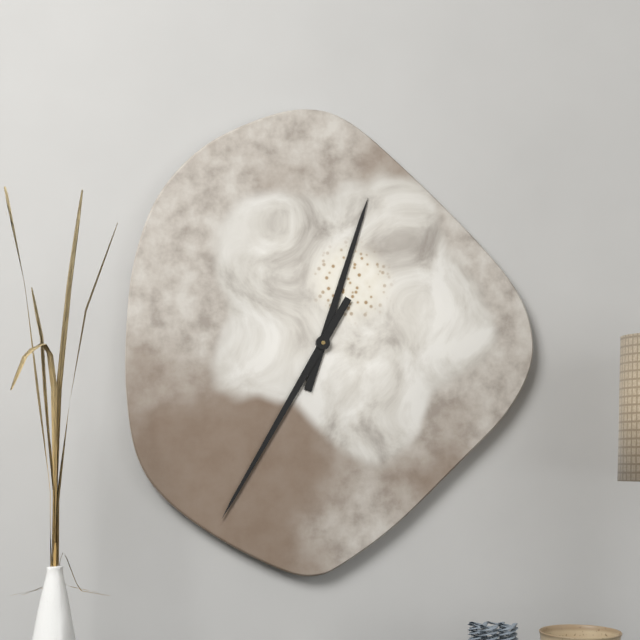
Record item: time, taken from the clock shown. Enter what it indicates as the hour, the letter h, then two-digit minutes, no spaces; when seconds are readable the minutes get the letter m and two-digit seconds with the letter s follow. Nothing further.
12h35
